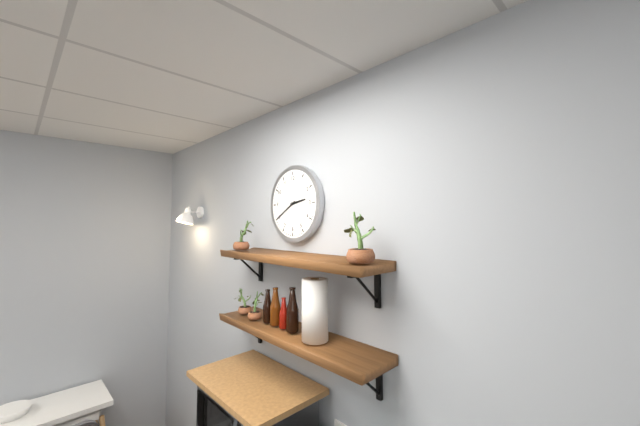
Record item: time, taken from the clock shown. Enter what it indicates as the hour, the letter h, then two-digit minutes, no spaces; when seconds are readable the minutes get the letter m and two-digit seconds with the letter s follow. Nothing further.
2h40
